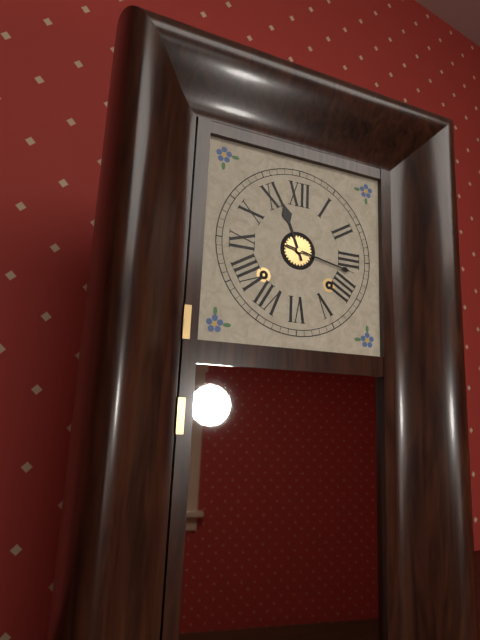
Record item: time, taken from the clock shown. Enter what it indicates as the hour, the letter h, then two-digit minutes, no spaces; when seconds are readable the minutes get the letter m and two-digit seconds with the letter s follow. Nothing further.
11h17
